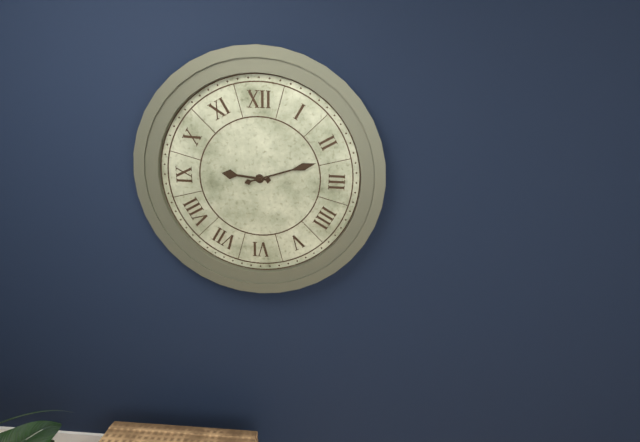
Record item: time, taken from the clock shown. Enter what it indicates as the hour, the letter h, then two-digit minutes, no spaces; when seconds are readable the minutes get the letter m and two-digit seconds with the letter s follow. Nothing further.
9h12
